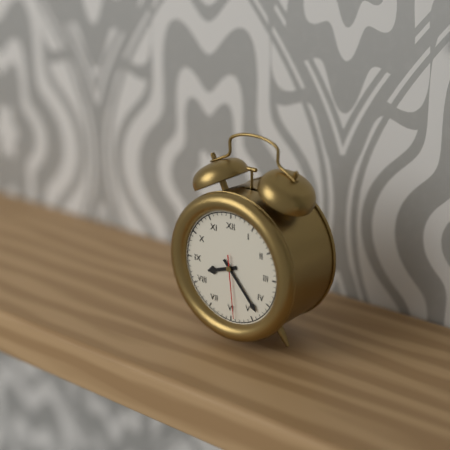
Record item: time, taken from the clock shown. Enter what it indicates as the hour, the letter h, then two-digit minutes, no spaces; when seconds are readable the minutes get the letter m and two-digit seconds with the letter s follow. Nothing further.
8h23m29s
